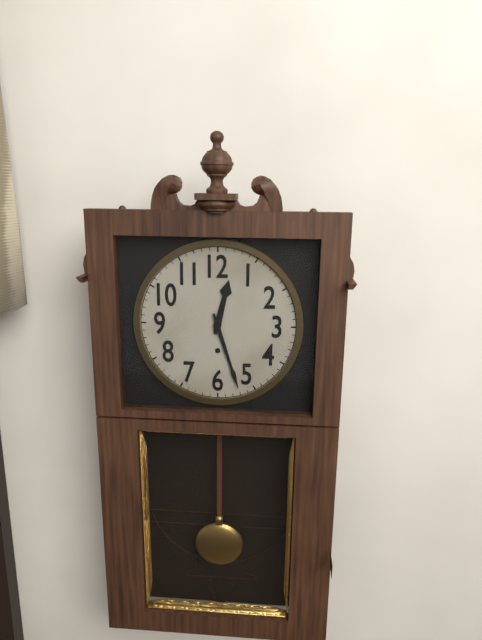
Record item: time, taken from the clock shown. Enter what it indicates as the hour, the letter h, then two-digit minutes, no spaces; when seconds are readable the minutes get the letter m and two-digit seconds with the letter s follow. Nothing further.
12h27
